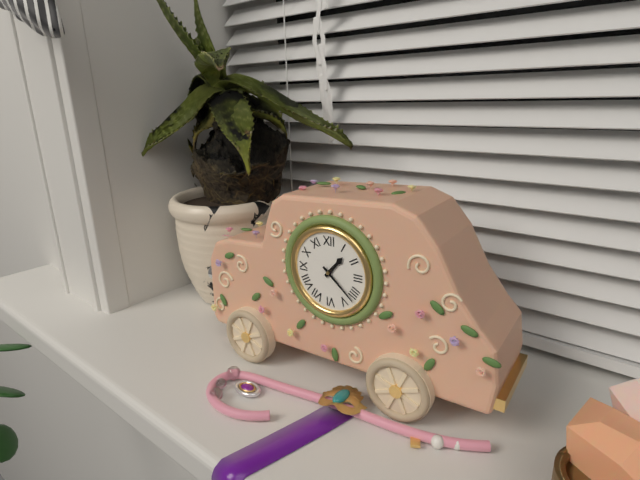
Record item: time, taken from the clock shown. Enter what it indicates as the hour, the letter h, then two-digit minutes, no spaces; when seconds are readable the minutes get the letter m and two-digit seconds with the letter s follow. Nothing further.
1h22
